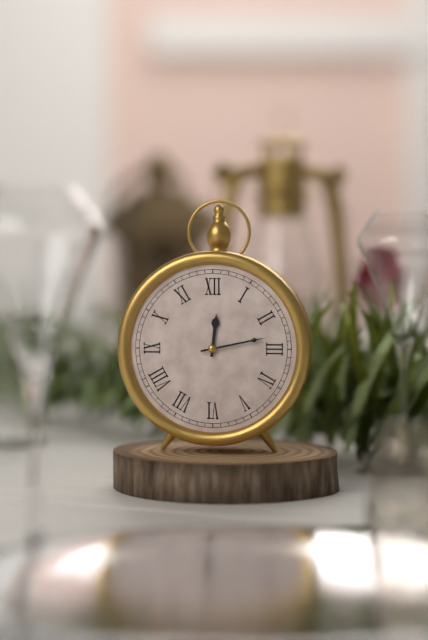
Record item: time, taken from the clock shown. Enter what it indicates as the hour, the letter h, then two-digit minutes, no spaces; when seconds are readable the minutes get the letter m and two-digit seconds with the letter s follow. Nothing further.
12h13
